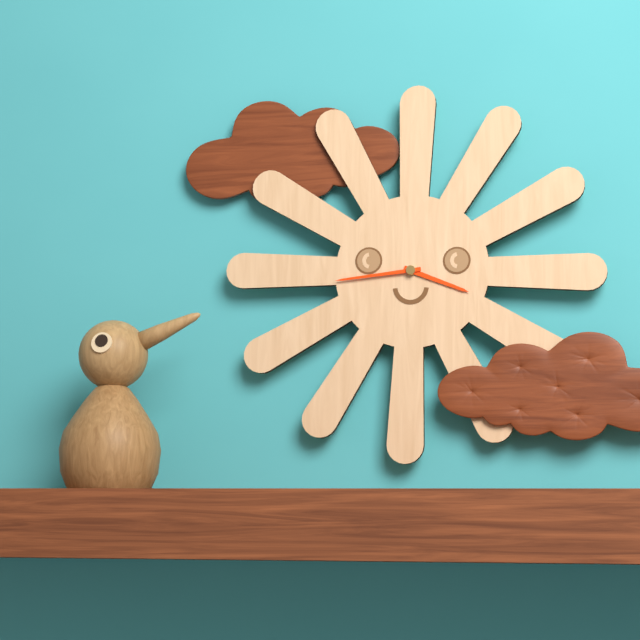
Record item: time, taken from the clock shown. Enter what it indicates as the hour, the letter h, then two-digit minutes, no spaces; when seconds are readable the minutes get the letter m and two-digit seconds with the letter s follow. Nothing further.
3h44
